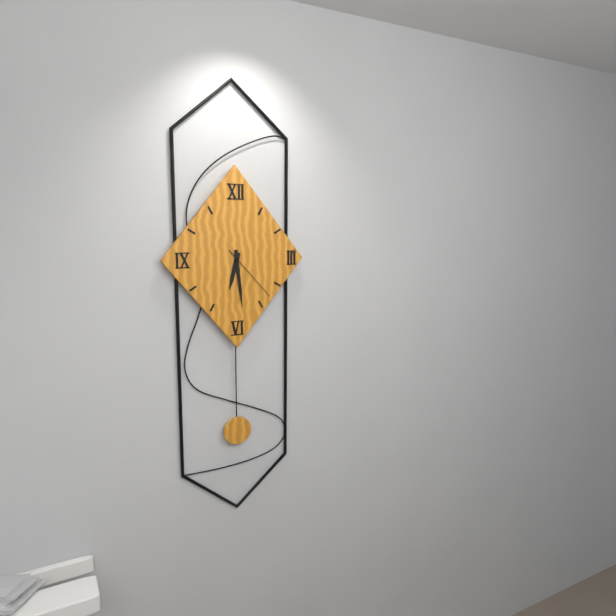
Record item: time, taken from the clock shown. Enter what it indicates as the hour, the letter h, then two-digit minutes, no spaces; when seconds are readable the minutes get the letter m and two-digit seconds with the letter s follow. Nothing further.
6h29m23s
